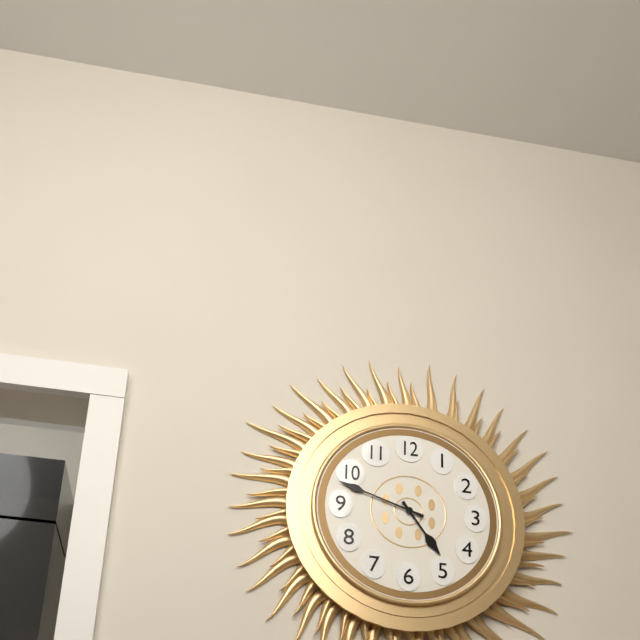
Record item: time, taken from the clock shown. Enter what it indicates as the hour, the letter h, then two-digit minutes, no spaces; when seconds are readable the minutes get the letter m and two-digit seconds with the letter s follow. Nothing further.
4h48
